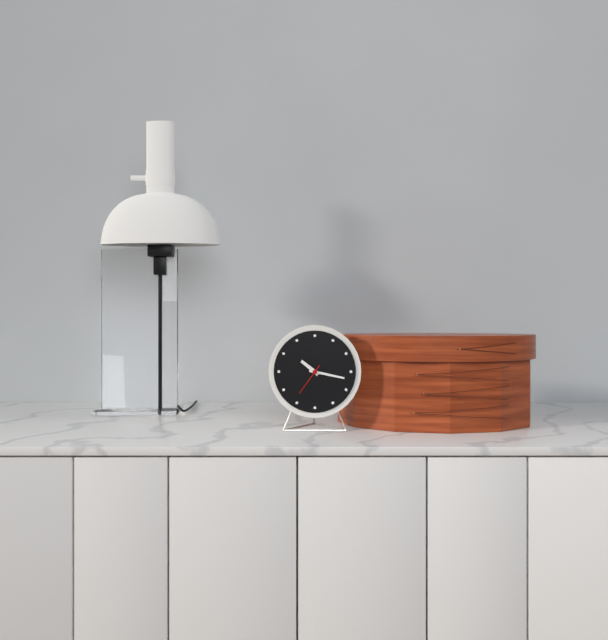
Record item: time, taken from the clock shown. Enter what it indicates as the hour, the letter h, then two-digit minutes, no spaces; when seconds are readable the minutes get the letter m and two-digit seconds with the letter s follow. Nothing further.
10h17
